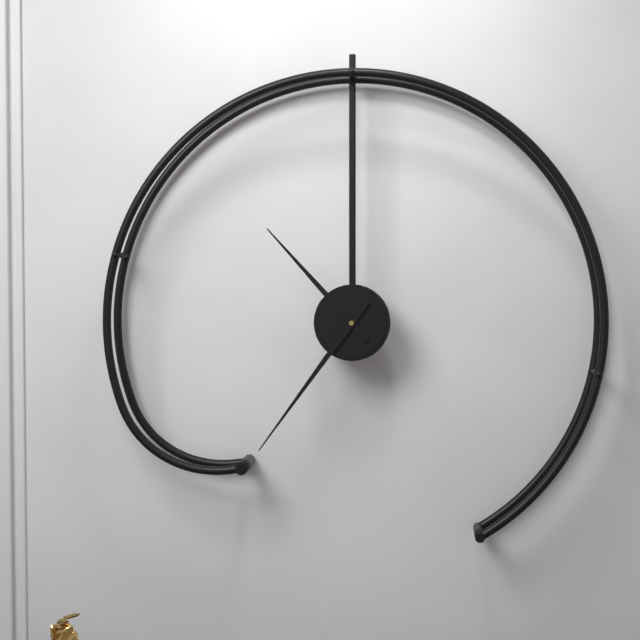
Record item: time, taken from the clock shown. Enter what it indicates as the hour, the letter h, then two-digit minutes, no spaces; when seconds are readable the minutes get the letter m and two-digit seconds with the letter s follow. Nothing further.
10h36
